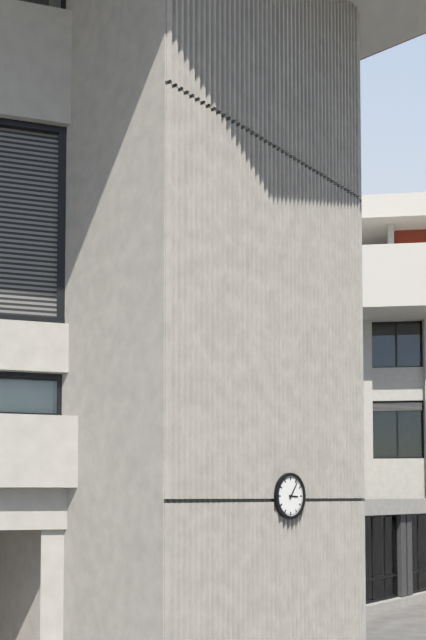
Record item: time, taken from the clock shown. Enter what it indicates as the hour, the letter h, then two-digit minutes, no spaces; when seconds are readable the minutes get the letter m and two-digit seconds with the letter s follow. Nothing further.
3h06
